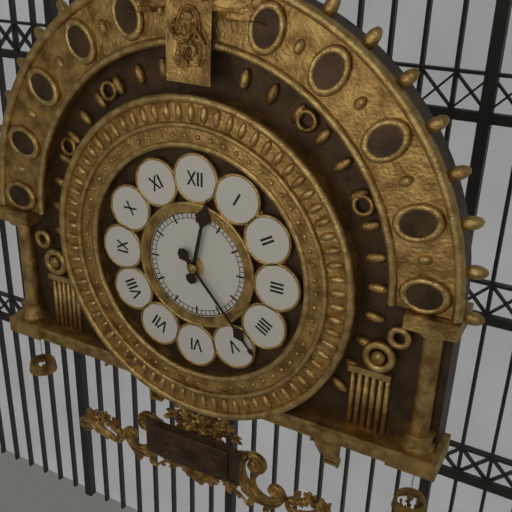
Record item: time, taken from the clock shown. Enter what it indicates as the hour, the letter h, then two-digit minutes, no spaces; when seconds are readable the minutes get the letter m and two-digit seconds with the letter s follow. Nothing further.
12h23
